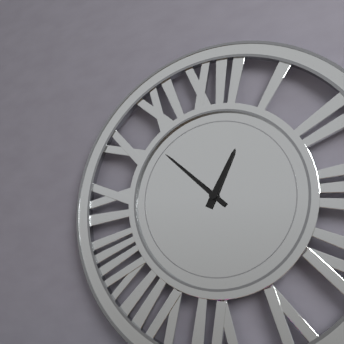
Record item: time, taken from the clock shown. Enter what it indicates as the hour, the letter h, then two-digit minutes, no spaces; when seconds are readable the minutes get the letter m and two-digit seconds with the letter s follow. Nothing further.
12h52
